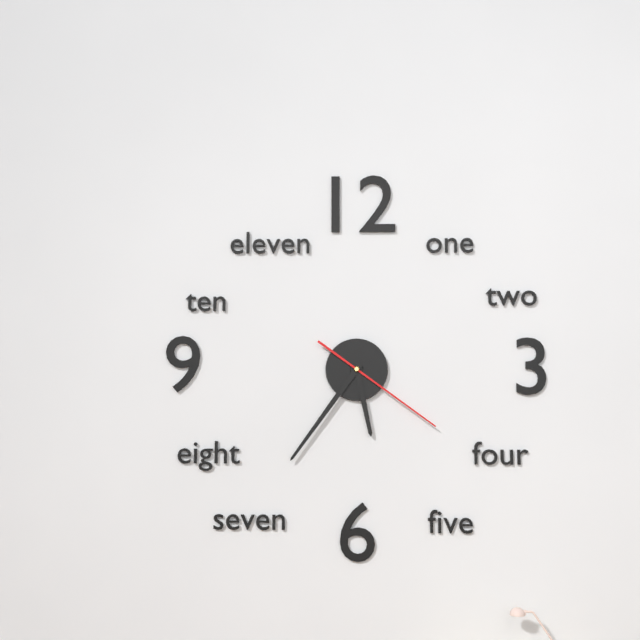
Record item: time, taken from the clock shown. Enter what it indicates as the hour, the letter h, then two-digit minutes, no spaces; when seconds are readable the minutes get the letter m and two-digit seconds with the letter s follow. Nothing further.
5h36m21s
